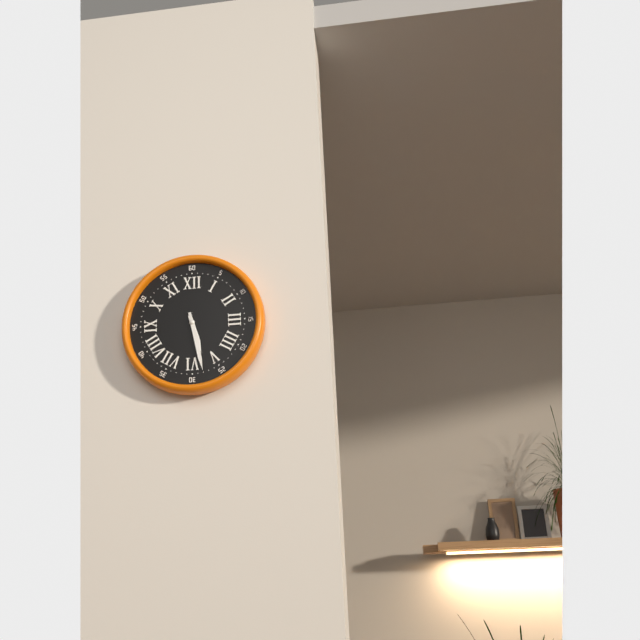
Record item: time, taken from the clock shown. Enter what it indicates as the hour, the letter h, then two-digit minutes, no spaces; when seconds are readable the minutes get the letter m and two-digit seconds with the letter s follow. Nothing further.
5h28
